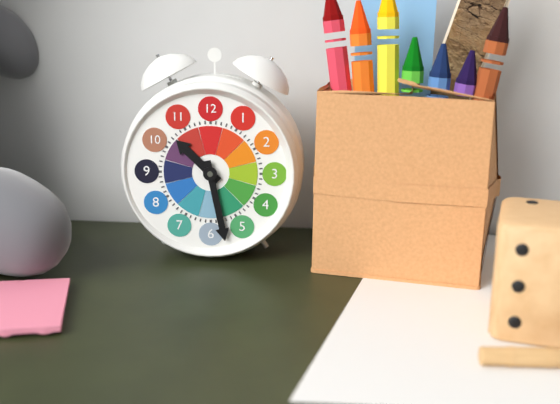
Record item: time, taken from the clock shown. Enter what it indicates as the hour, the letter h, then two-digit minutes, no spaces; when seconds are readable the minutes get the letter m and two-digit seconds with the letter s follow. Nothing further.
10h28
